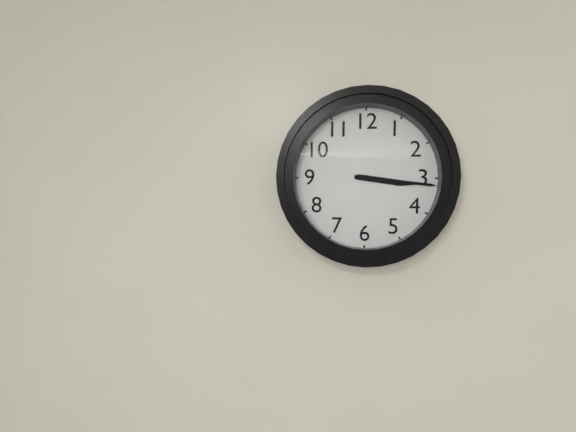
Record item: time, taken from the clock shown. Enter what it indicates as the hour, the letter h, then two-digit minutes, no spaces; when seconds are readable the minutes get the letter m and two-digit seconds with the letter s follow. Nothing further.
3h16
